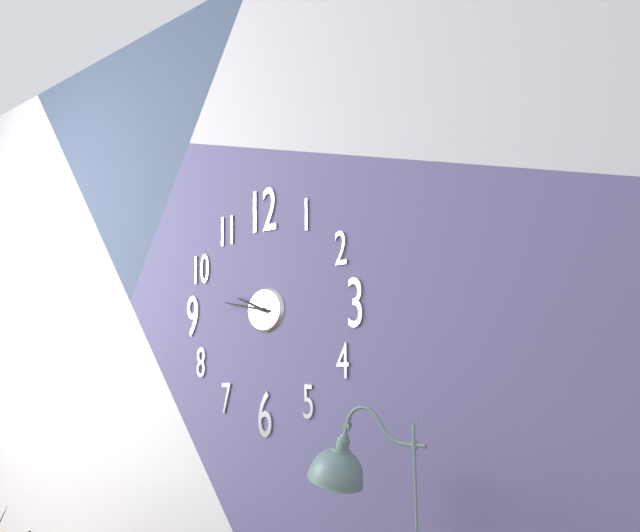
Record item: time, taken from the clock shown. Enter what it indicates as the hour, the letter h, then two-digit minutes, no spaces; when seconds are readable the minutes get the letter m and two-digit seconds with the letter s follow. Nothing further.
9h47
